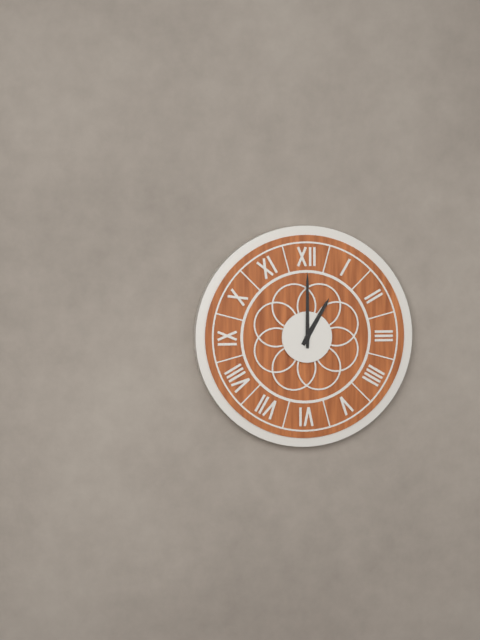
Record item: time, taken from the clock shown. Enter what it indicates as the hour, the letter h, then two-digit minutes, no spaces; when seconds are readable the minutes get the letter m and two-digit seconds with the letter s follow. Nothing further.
1h00
